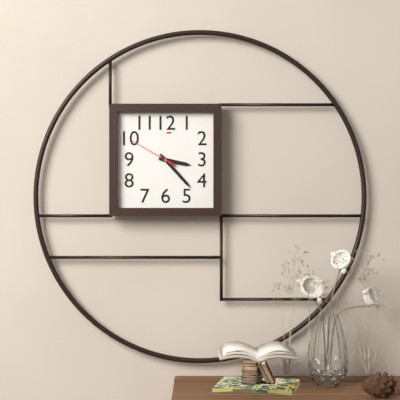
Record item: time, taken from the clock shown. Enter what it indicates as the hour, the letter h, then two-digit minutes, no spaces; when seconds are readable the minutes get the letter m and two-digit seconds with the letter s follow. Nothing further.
3h23m50s
